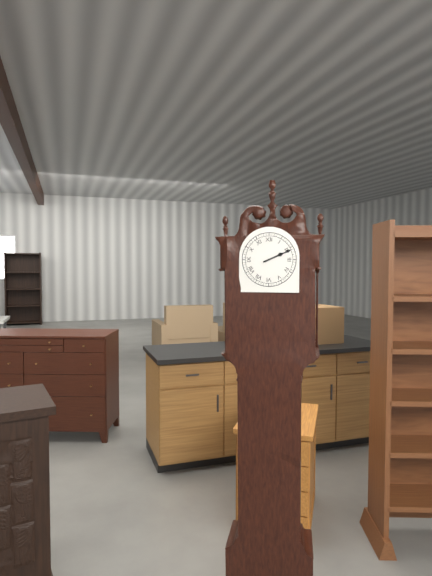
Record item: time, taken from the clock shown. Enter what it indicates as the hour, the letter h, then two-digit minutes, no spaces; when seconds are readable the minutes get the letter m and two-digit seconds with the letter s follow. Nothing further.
2h11
